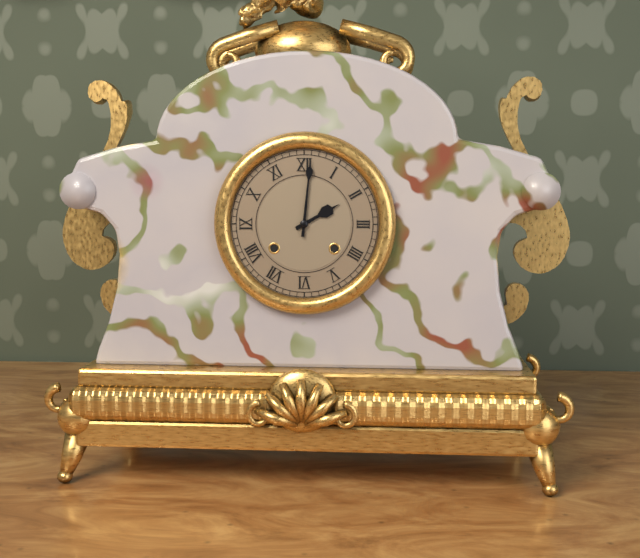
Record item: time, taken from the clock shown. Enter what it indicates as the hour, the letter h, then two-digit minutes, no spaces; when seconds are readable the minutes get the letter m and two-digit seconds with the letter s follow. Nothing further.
2h01
